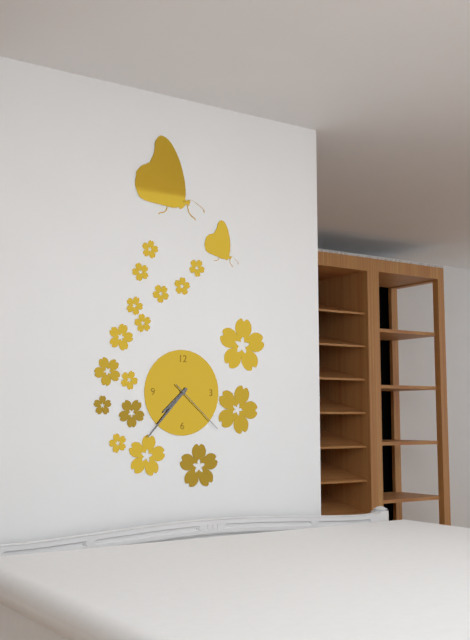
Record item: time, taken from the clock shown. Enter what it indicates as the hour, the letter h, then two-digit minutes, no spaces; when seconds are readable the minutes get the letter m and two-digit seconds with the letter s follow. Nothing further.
7h37m22s
